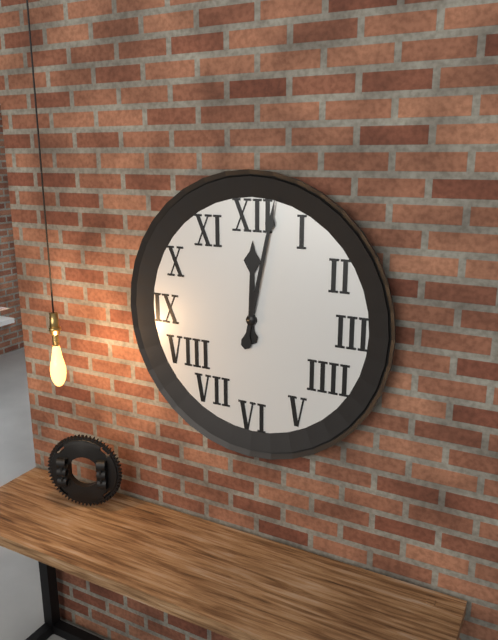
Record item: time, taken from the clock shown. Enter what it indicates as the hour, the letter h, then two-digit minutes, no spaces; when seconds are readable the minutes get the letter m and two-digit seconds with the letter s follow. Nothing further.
12h02
